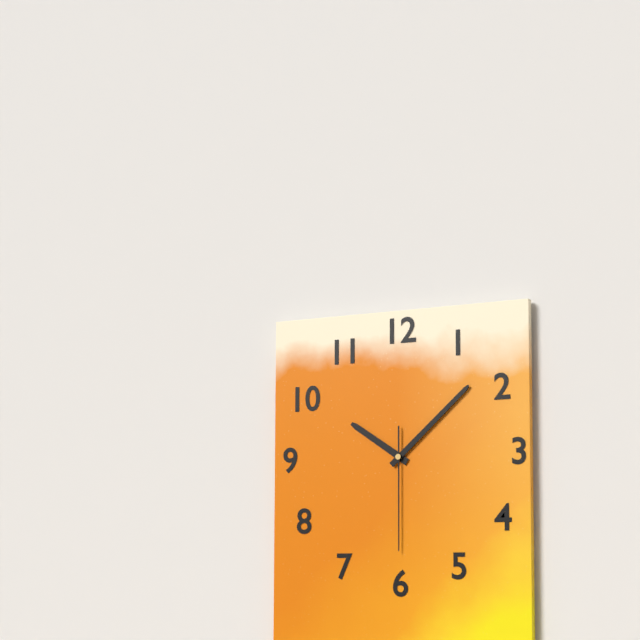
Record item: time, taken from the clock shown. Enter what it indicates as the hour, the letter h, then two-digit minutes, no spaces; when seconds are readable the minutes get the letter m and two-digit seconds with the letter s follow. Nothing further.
10h08m30s
